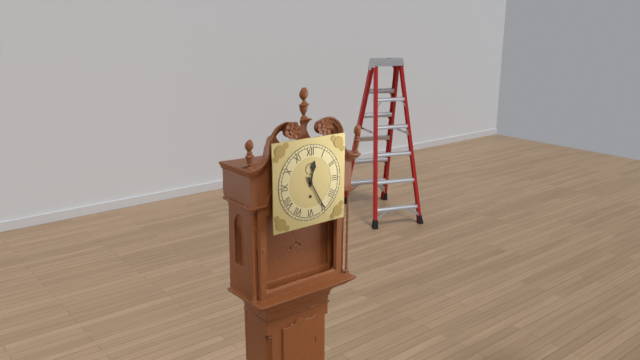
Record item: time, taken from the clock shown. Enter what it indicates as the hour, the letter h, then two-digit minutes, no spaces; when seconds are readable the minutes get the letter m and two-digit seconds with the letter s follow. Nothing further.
12h25
